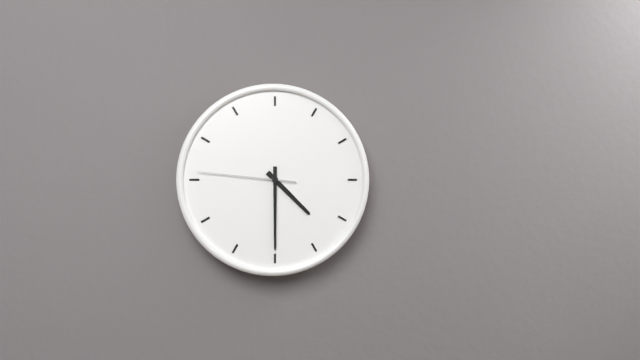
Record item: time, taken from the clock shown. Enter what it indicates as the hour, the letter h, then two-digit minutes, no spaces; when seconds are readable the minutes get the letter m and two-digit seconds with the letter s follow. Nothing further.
4h30m46s
